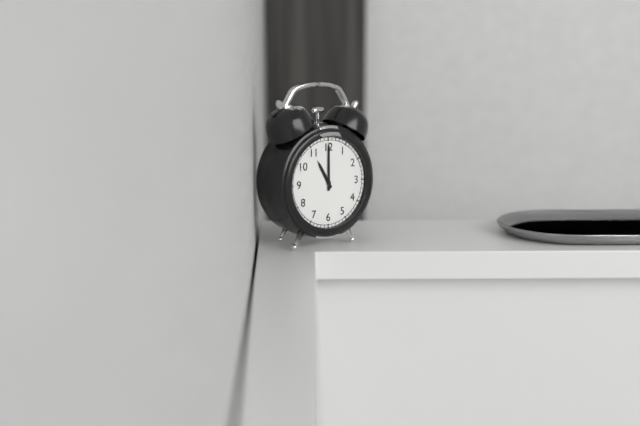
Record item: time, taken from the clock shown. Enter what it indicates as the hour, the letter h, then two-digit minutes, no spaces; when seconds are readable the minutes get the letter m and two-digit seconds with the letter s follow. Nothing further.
11h00
